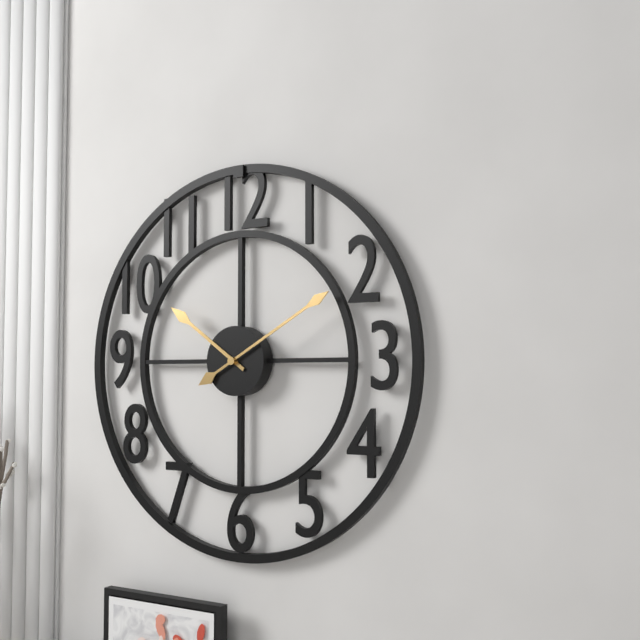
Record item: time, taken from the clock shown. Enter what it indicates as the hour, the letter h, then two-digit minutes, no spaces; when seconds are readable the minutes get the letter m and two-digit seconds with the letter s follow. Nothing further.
10h10
